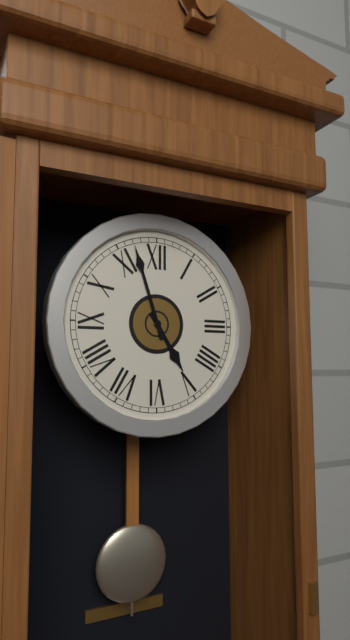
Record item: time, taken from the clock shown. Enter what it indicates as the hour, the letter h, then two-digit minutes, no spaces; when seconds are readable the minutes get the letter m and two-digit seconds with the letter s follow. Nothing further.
4h57
